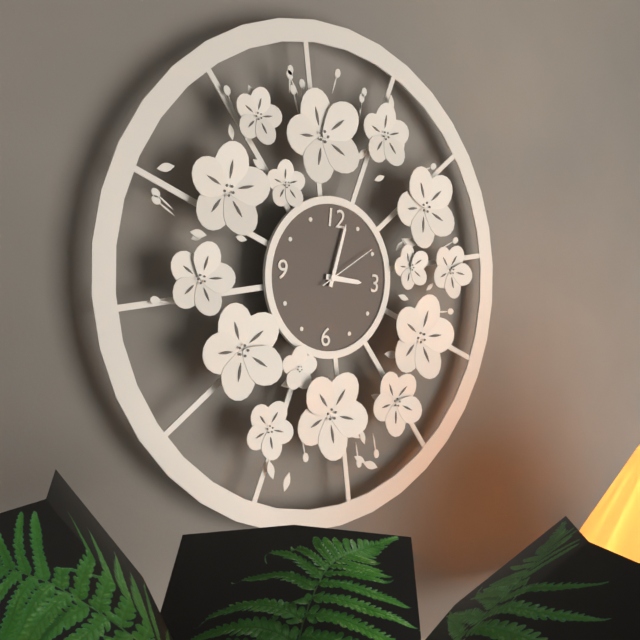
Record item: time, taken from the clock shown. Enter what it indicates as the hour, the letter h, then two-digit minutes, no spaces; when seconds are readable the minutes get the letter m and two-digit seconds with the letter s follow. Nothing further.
3h02m09s
